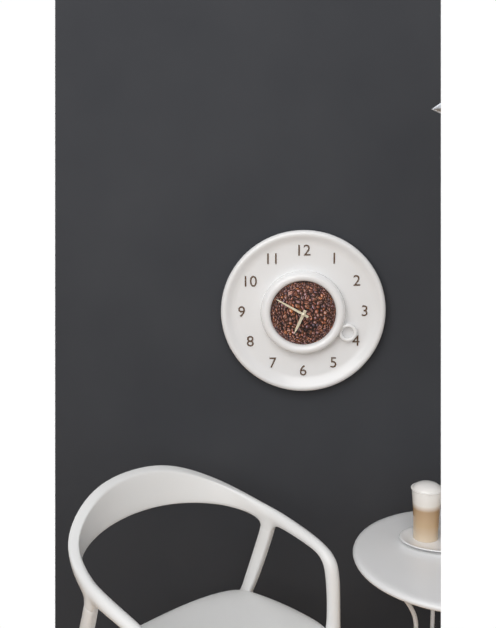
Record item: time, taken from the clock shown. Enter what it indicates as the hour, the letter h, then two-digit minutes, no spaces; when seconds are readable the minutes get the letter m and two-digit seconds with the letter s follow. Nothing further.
6h50
